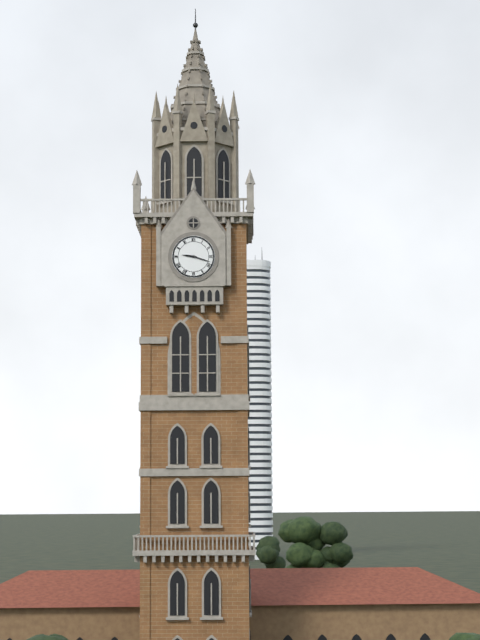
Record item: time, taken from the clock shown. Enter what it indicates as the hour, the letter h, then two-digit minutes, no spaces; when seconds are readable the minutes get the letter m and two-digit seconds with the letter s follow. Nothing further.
9h18
